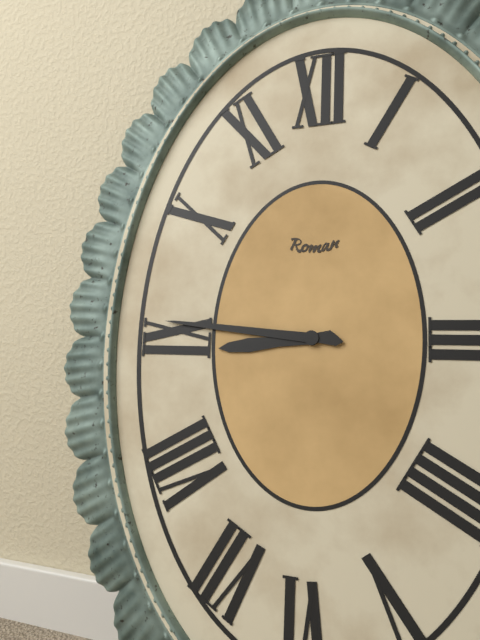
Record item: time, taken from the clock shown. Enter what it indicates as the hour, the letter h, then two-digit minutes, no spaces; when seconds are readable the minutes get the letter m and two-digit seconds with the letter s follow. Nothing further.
8h46
